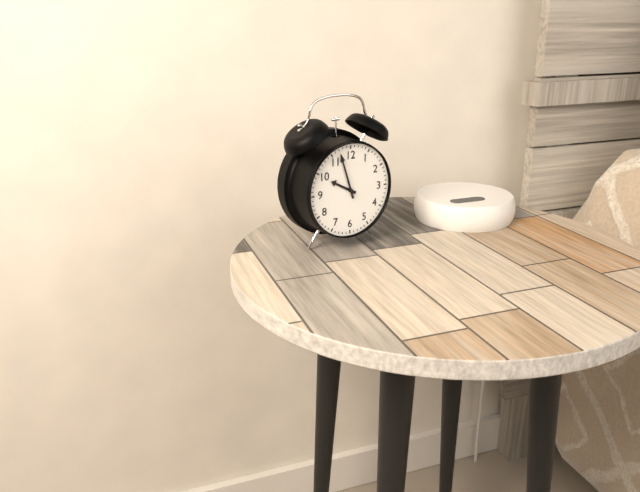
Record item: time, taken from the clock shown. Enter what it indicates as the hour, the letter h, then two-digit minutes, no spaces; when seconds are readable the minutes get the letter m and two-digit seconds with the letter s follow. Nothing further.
9h57
